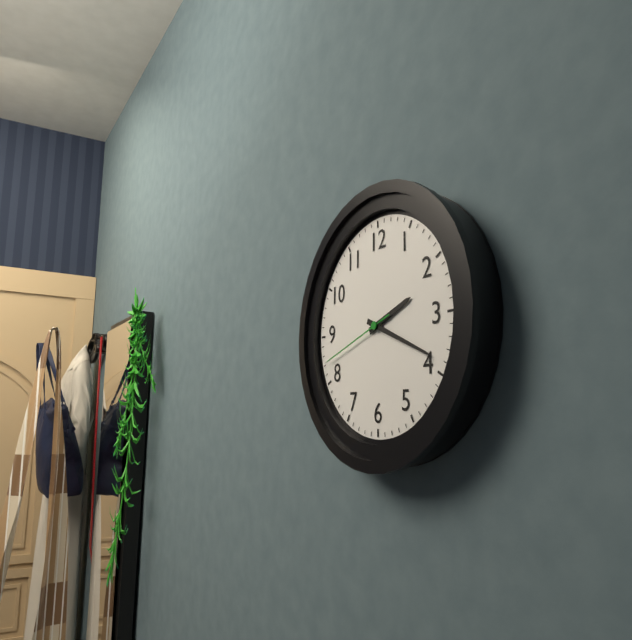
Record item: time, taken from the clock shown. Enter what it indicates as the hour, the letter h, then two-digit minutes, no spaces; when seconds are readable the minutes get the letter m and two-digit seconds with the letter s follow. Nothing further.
2h19m42s
